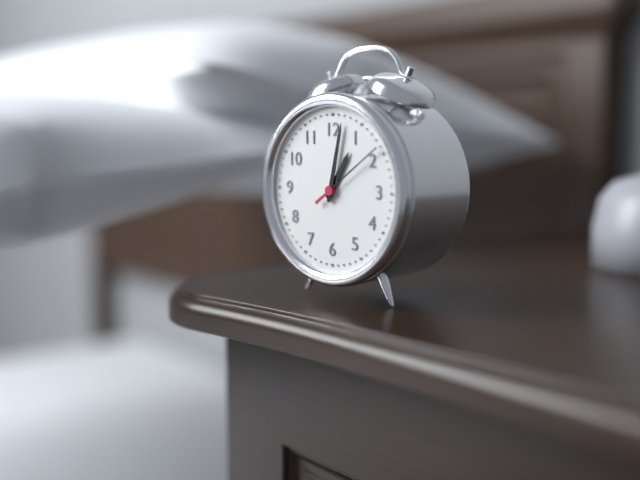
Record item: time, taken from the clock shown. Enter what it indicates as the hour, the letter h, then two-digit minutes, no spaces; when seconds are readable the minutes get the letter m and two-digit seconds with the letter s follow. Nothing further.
1h02m09s
